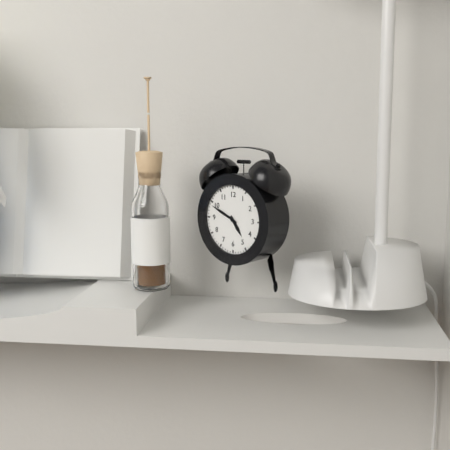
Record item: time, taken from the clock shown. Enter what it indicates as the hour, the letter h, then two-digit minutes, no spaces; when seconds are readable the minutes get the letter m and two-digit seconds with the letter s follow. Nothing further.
4h49
